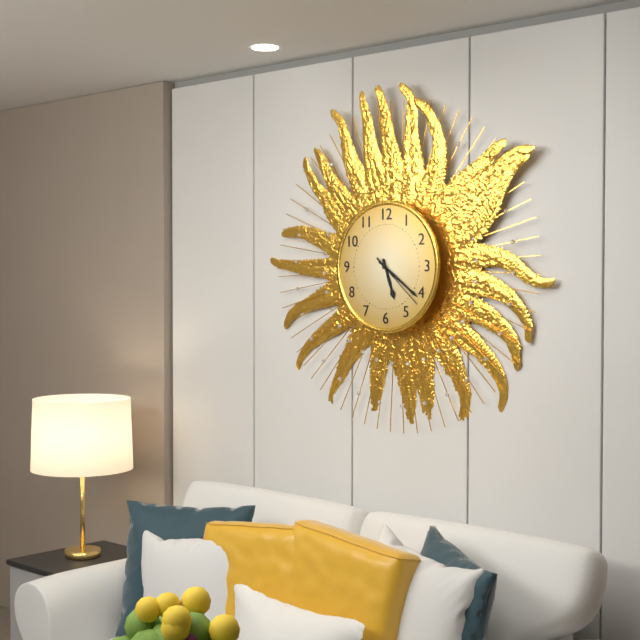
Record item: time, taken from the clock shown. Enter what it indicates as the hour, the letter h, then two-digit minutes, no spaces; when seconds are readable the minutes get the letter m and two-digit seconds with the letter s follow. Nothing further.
5h21m22s
